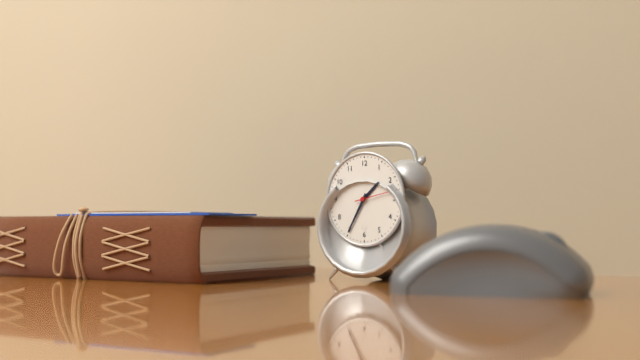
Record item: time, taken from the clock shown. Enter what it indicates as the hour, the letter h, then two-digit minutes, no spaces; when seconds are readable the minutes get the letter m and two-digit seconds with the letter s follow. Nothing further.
1h35
